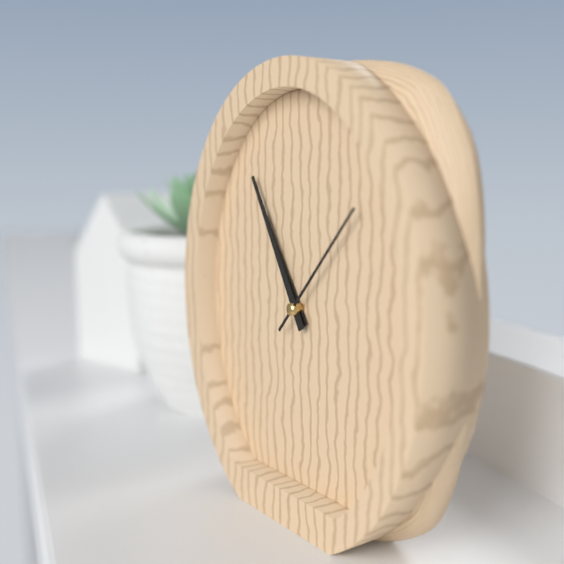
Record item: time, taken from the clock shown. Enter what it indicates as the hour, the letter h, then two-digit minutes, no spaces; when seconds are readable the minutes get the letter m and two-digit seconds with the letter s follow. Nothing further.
10h55m07s
